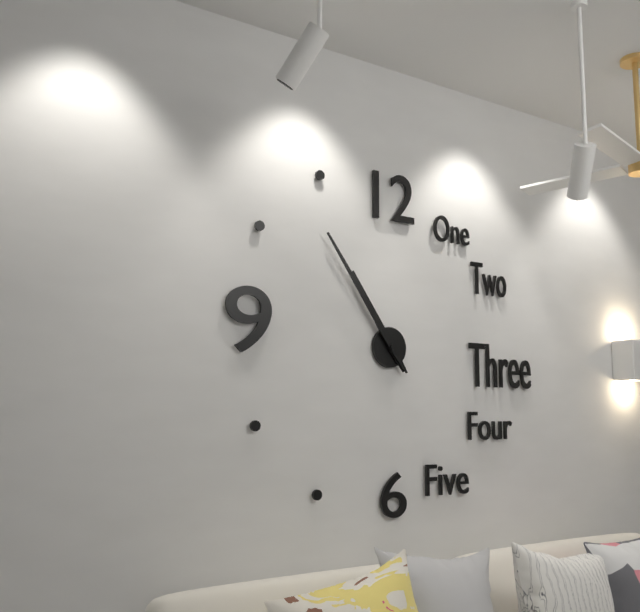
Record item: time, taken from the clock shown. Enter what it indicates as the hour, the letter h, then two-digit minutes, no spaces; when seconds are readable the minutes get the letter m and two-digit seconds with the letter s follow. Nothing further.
10h54
